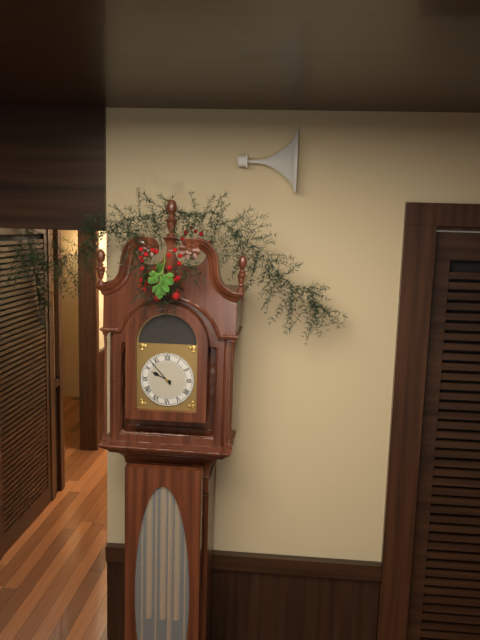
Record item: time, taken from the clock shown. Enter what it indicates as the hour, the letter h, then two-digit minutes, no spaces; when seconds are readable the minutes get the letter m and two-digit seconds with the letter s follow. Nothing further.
9h53
